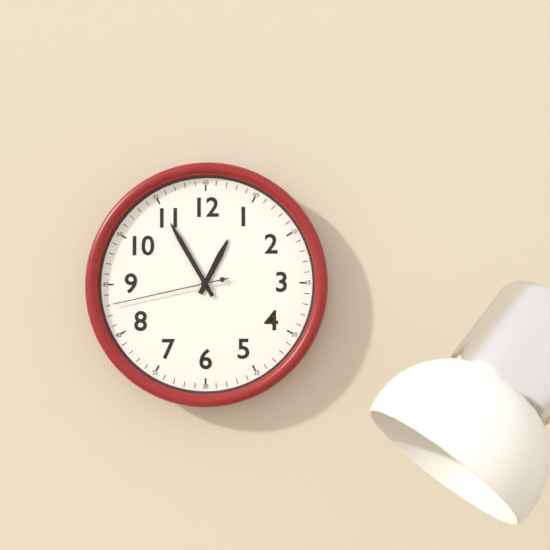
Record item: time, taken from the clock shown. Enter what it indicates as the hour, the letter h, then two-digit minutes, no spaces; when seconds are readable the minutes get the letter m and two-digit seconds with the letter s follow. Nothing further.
12h55m43s
